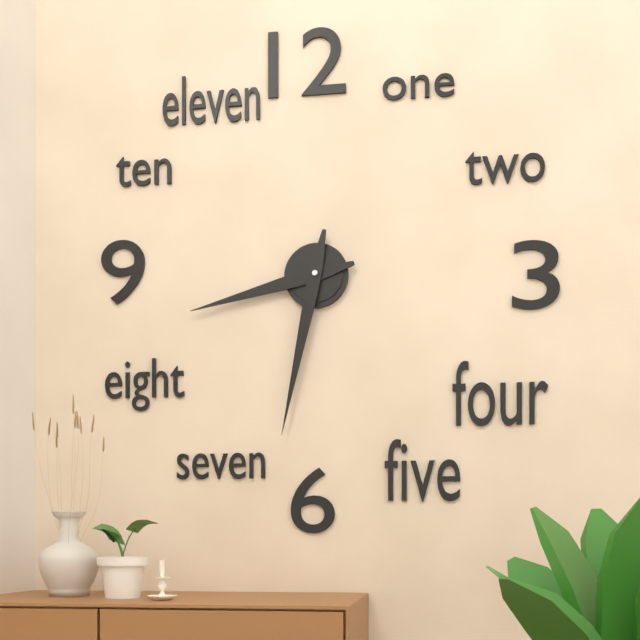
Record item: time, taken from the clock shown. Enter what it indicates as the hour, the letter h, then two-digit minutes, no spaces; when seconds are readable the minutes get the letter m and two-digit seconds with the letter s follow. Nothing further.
8h32
